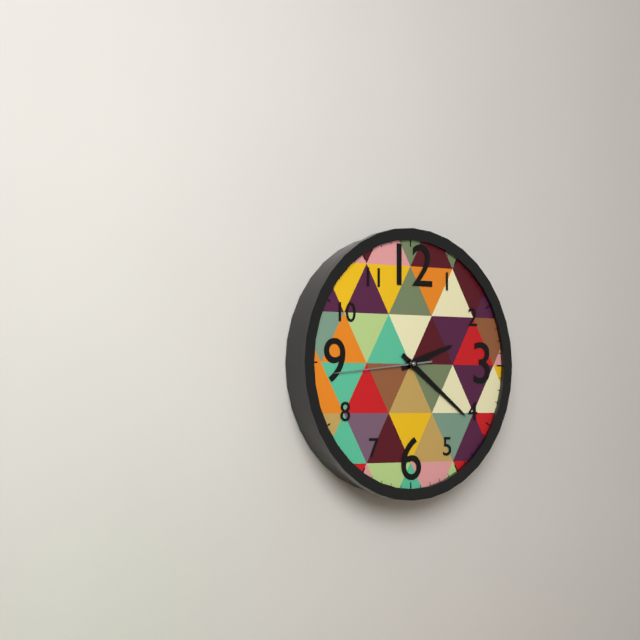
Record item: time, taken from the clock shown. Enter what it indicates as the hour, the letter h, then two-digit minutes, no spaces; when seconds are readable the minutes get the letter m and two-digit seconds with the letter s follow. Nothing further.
2h21m44s
